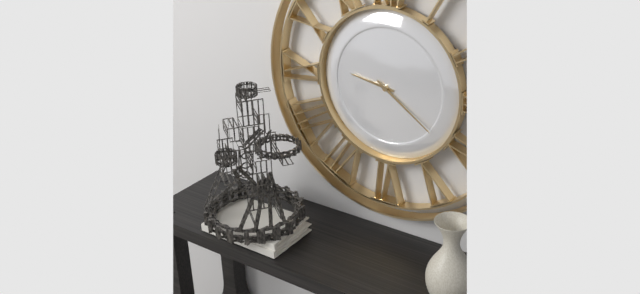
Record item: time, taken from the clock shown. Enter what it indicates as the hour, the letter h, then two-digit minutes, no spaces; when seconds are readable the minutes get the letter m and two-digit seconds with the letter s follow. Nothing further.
9h21
